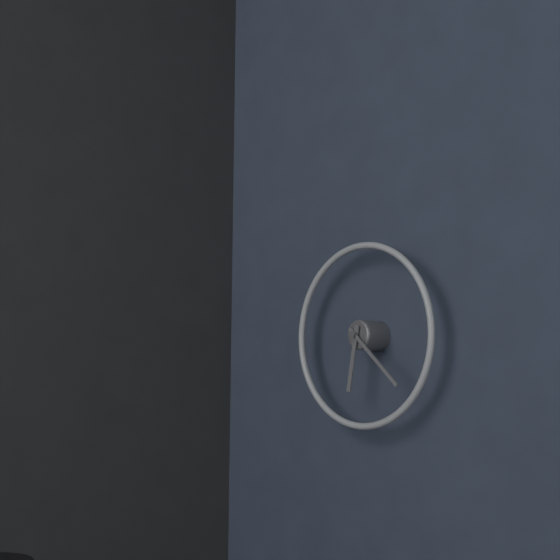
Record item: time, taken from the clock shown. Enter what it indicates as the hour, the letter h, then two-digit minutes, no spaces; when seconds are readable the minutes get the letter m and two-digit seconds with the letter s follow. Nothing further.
6h22
